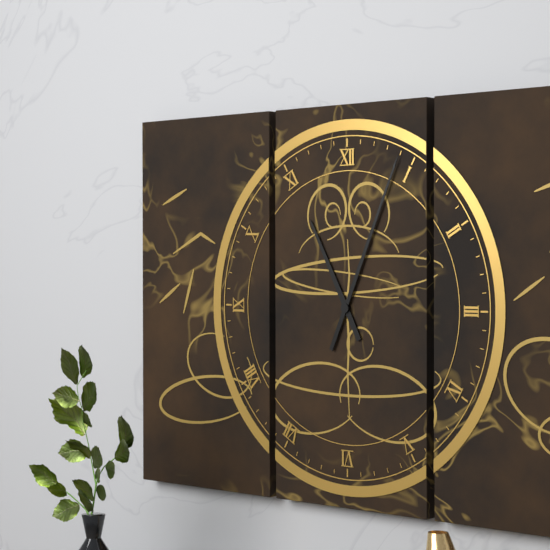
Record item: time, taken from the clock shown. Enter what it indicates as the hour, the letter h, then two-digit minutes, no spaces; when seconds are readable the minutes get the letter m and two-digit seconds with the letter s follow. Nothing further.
11h04
